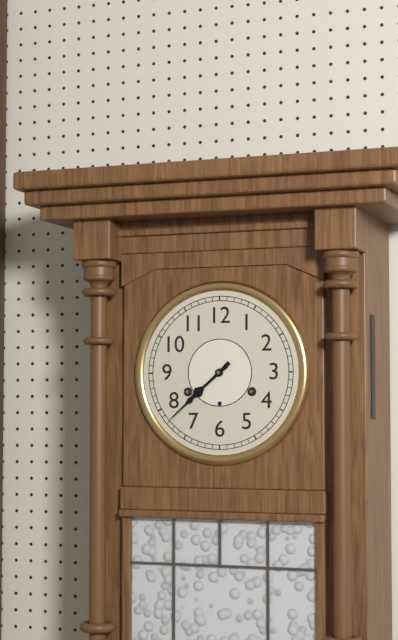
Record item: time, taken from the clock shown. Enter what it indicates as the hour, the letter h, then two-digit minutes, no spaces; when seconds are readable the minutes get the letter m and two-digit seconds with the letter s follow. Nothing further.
7h38
